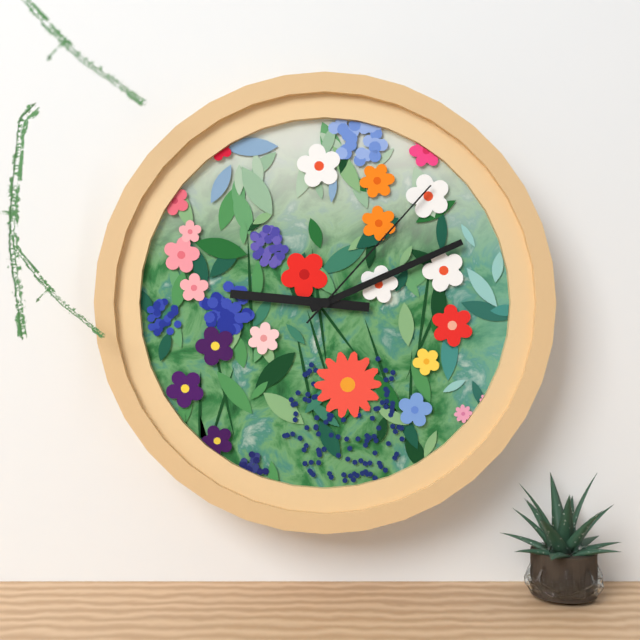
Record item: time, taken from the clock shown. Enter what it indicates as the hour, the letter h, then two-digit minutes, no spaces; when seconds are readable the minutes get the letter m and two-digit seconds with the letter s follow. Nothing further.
9h11m07s
